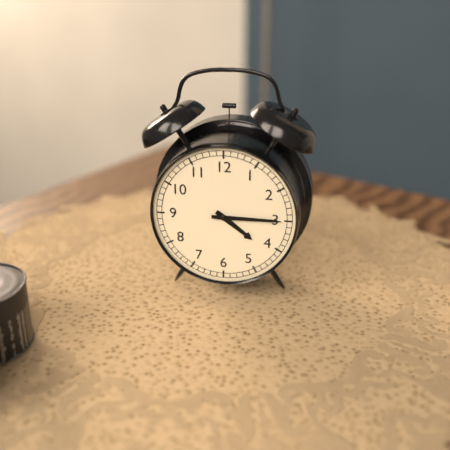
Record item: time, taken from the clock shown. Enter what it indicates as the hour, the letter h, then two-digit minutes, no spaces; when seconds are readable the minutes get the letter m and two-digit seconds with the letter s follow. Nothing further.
4h15
